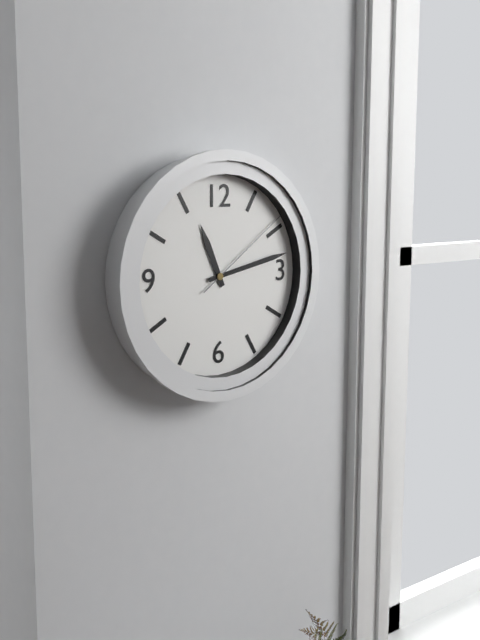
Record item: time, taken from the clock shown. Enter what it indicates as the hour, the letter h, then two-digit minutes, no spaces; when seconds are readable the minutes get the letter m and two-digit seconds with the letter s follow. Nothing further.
11h13m09s
